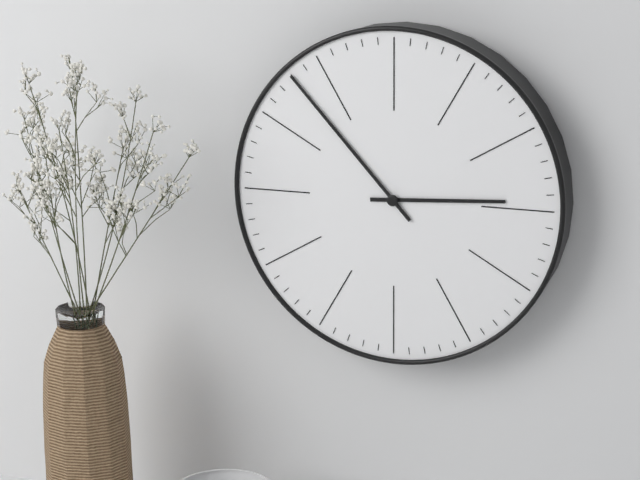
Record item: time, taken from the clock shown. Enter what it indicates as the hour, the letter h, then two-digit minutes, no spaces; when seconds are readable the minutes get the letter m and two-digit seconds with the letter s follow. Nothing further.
2h53
